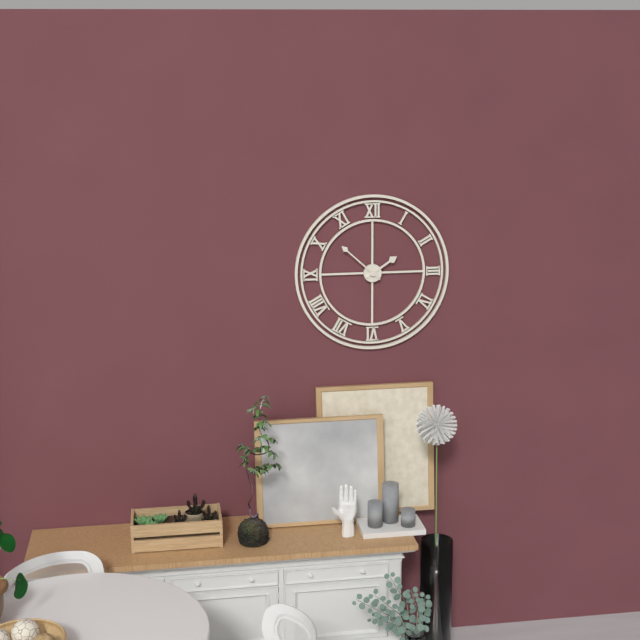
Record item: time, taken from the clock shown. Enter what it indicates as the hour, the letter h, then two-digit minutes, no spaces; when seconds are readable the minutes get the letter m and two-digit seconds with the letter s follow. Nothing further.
1h52
